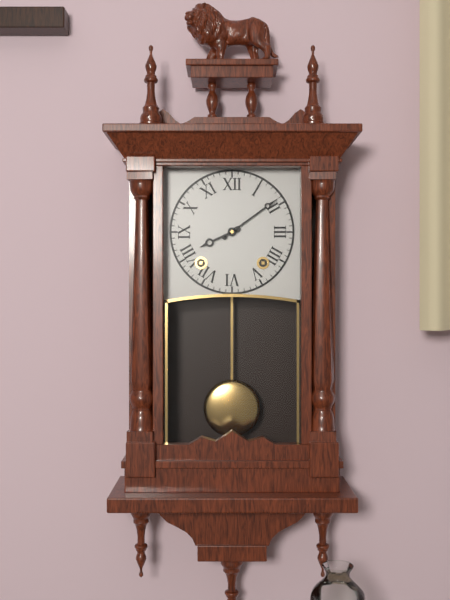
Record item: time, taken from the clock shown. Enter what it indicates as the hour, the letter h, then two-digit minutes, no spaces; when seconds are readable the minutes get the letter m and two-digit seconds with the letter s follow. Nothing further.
8h09
